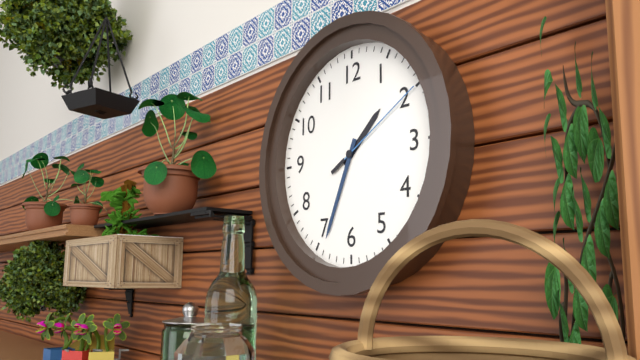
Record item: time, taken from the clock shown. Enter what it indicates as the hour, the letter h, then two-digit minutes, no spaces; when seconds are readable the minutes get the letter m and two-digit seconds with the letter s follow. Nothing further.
1h34m10s
